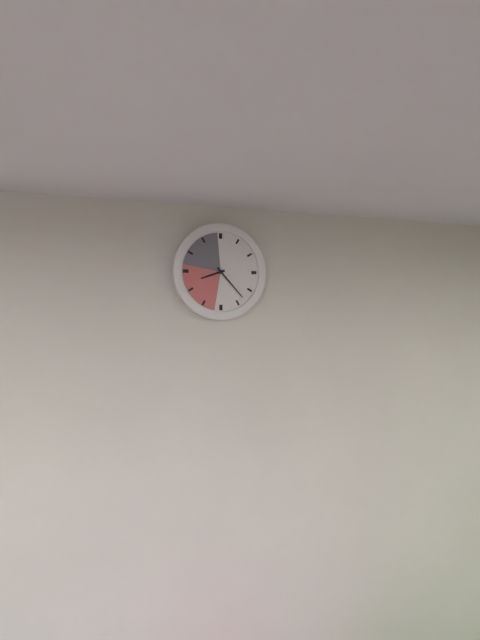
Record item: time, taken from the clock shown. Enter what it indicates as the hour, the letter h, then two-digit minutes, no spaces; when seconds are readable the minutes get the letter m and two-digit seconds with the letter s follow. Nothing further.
8h23
